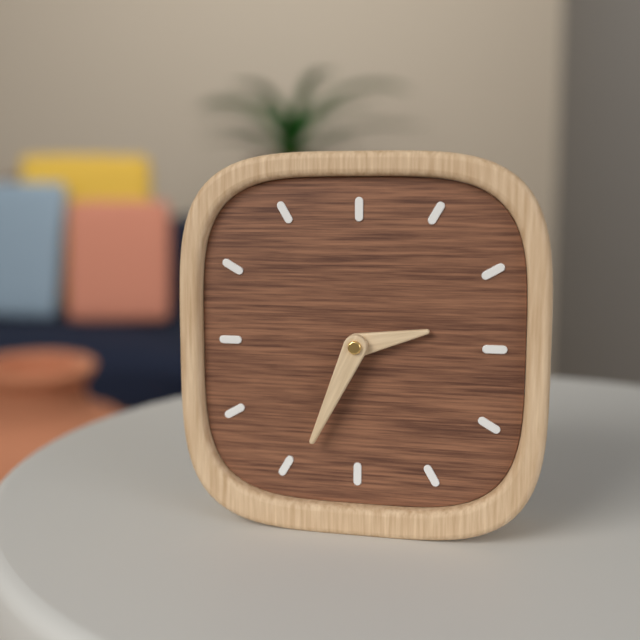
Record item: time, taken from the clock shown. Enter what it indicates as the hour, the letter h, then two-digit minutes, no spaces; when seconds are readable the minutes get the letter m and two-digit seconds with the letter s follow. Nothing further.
2h34
